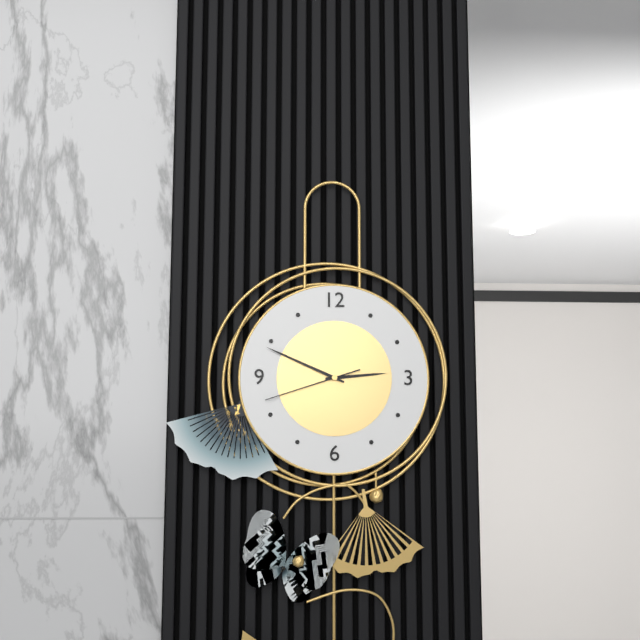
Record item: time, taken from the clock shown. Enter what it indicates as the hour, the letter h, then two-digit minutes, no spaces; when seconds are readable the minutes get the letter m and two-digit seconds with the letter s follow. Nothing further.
2h49m42s
